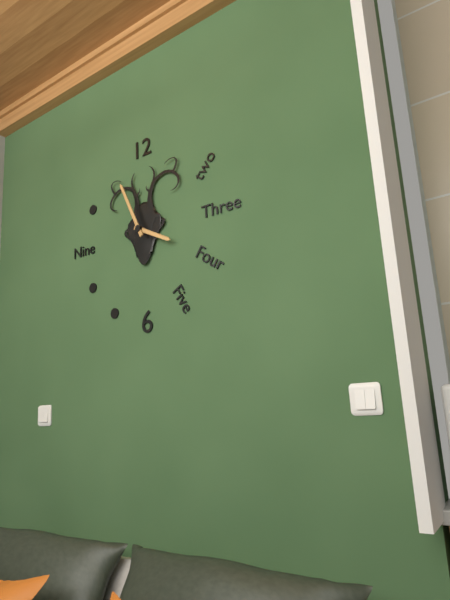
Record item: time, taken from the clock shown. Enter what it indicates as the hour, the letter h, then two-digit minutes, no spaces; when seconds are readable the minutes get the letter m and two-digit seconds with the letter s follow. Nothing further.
3h56
